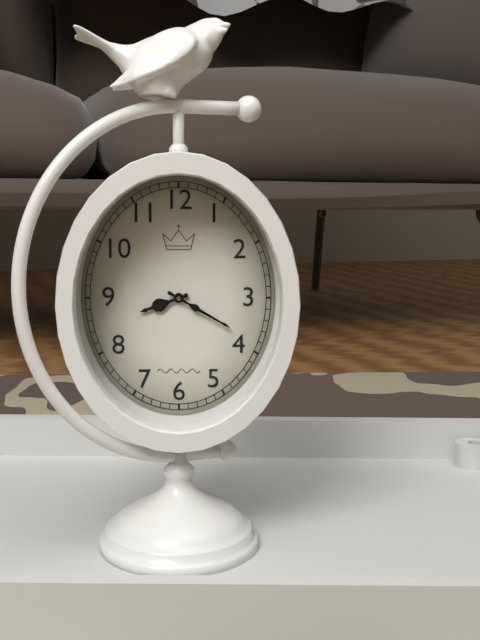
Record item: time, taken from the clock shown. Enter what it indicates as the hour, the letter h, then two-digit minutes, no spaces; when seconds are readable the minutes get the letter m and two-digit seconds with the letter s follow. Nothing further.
8h20
